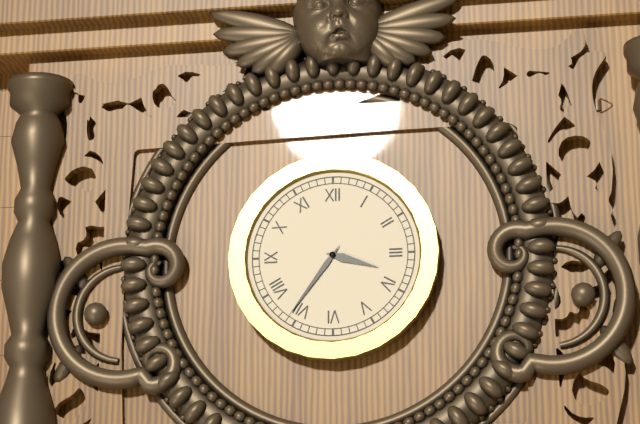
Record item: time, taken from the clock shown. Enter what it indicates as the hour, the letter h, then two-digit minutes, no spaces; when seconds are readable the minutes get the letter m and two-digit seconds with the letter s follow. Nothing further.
3h36
